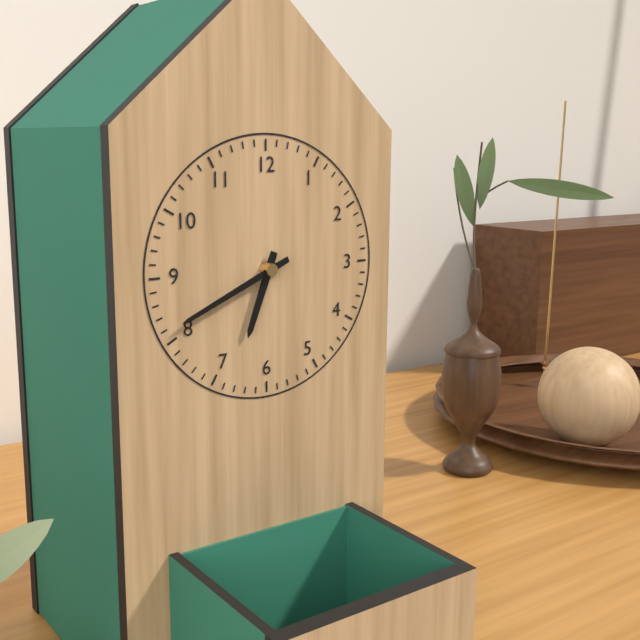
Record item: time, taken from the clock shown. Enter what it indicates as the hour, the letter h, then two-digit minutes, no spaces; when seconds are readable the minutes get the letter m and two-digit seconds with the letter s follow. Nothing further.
6h41
